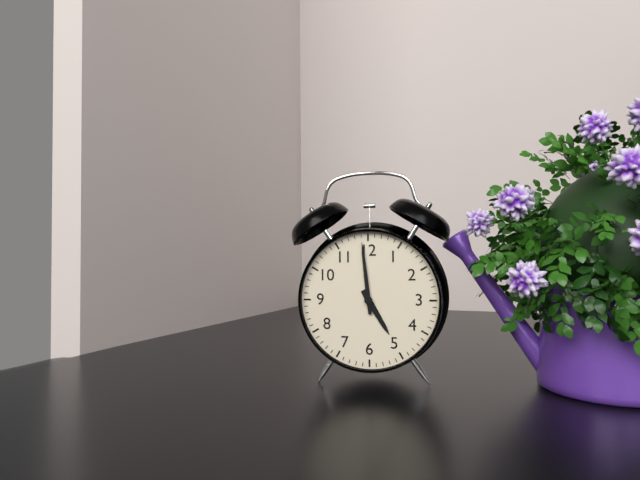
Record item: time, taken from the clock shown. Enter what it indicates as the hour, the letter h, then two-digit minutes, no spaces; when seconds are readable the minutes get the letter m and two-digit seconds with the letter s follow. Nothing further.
4h59
